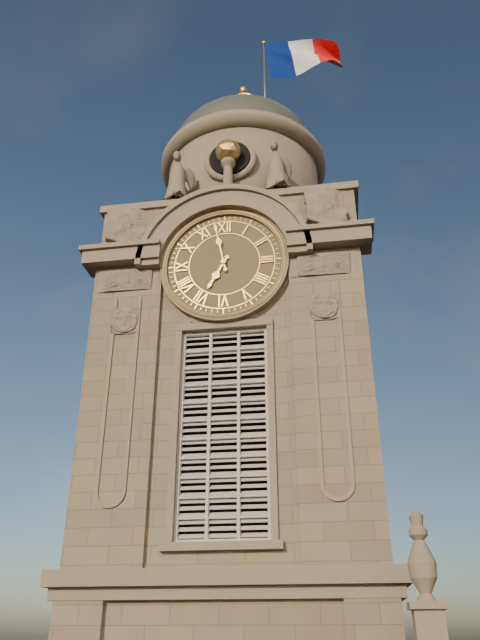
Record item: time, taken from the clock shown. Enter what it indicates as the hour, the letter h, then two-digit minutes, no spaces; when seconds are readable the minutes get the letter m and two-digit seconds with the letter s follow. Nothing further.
6h58
